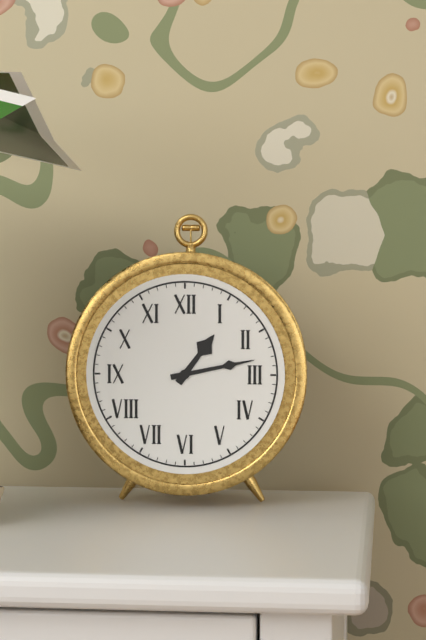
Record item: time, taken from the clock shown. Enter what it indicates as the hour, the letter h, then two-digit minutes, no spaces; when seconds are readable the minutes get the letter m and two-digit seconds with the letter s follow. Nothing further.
1h13
